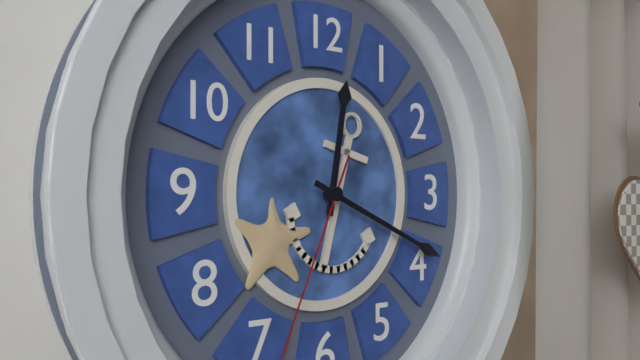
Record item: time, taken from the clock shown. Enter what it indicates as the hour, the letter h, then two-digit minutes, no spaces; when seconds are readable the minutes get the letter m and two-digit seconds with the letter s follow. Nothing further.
12h19
